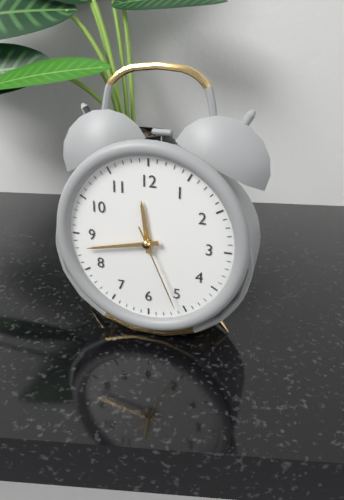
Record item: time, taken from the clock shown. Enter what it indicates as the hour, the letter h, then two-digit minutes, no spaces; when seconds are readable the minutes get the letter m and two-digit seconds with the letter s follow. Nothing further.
11h43m26s
